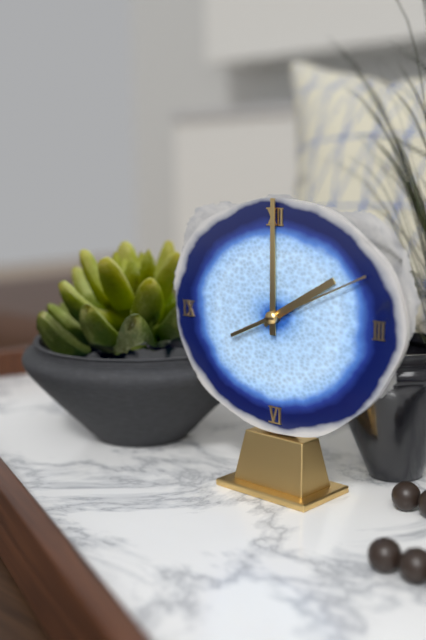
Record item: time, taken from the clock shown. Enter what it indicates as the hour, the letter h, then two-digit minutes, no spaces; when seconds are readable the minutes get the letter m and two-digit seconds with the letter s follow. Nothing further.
2h00m11s
